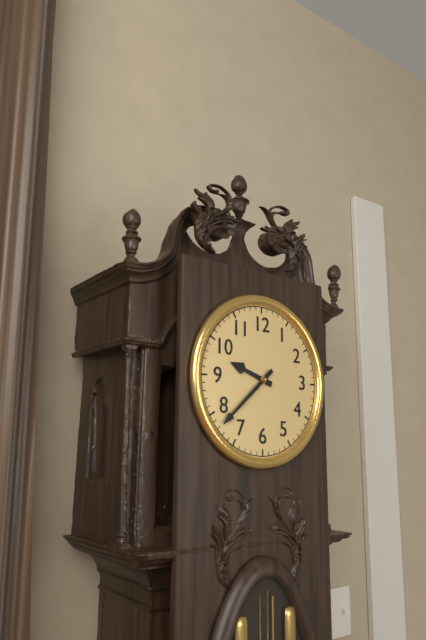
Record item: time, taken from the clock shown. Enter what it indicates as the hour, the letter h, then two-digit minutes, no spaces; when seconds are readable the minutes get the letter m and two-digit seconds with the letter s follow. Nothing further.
9h38
